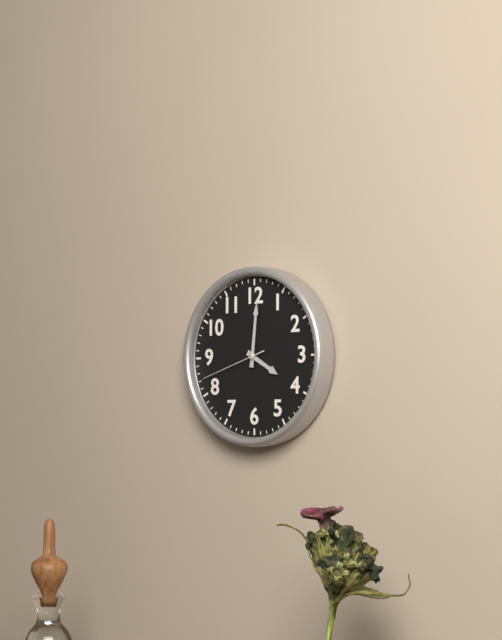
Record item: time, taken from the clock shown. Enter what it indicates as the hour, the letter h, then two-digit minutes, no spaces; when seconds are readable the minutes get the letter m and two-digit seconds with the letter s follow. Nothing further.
4h01m42s
